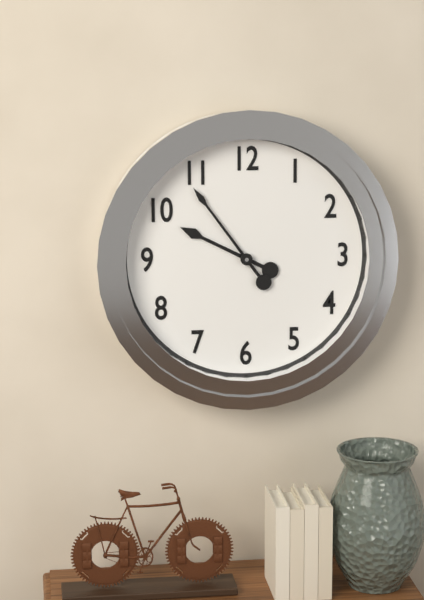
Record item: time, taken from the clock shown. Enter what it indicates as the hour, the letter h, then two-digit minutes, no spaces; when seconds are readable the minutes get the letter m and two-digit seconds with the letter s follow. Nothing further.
9h54
